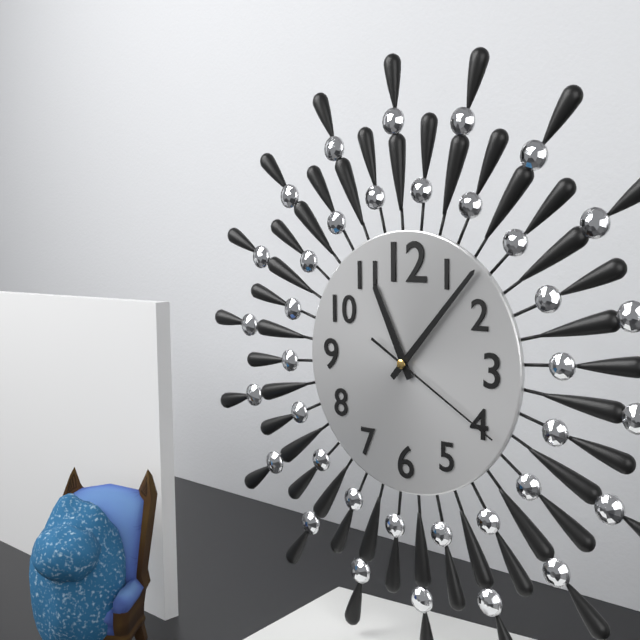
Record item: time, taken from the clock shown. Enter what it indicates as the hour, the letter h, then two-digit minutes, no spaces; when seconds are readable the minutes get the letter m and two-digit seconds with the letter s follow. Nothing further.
11h07m20s
